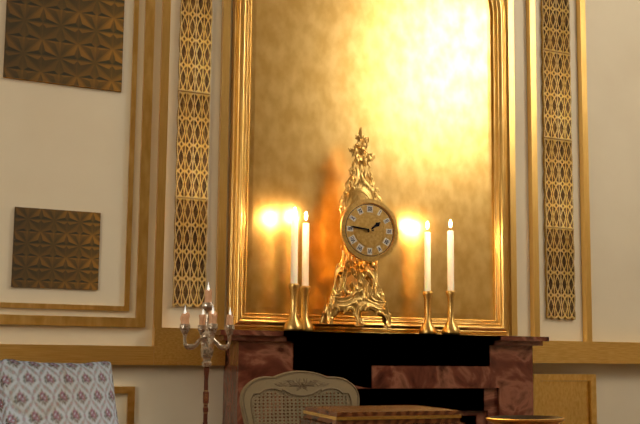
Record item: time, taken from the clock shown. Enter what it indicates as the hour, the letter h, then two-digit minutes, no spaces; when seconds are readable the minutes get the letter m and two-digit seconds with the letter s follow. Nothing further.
1h46
